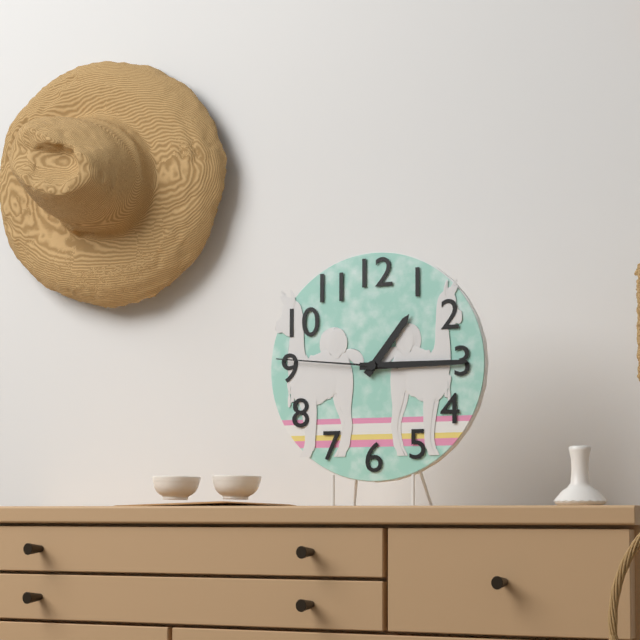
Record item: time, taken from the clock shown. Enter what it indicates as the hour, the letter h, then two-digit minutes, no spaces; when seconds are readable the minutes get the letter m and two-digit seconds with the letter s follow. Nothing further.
1h15m46s
